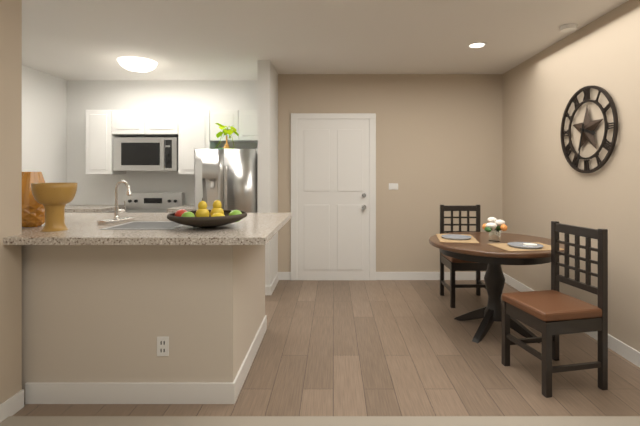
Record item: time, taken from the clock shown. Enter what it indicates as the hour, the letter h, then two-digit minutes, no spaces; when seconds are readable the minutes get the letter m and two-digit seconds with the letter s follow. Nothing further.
3h32
